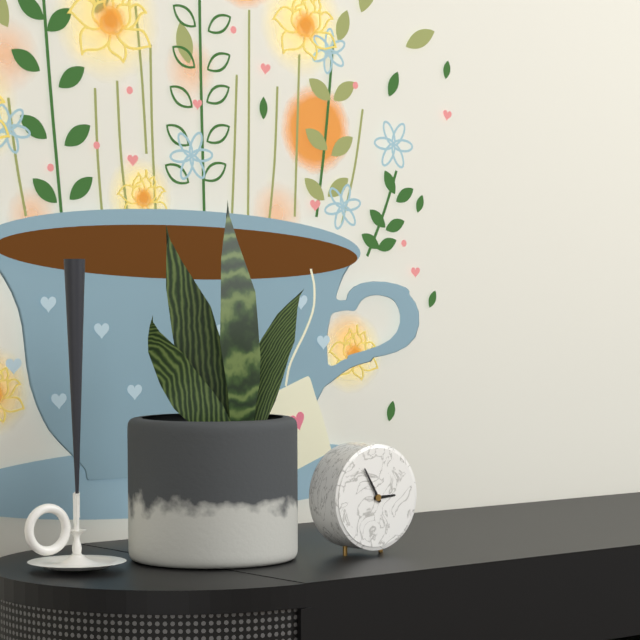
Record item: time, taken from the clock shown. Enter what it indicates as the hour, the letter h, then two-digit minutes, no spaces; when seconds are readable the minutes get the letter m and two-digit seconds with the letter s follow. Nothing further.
2h55
